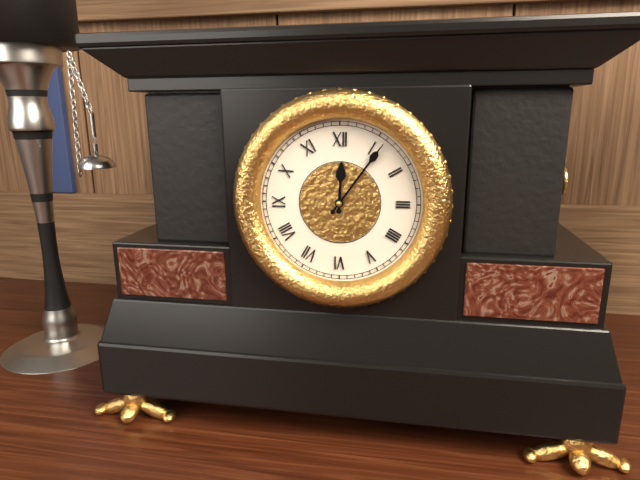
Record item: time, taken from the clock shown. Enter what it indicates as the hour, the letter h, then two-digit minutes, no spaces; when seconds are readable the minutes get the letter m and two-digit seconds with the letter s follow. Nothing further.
12h06
